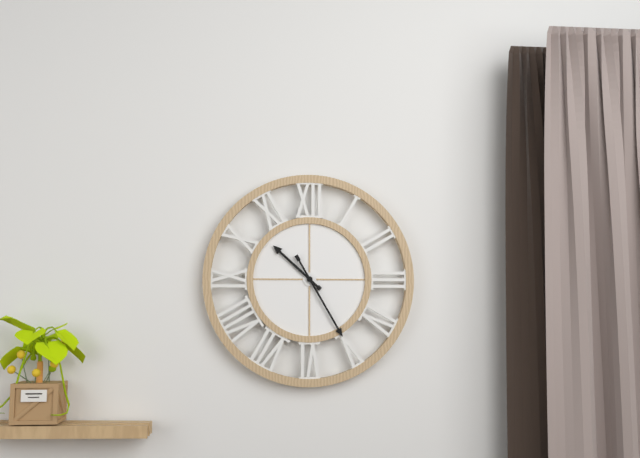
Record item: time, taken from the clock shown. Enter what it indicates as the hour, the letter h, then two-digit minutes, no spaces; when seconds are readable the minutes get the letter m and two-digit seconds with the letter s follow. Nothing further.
10h25
